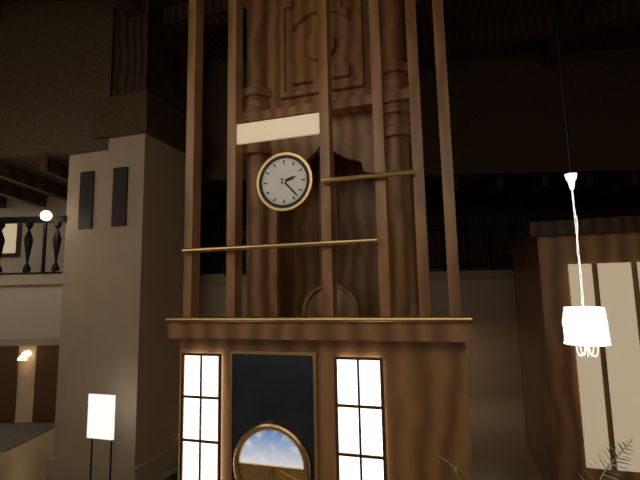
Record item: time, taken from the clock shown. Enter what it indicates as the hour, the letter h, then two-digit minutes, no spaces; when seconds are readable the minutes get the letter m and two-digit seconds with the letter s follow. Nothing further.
2h23
